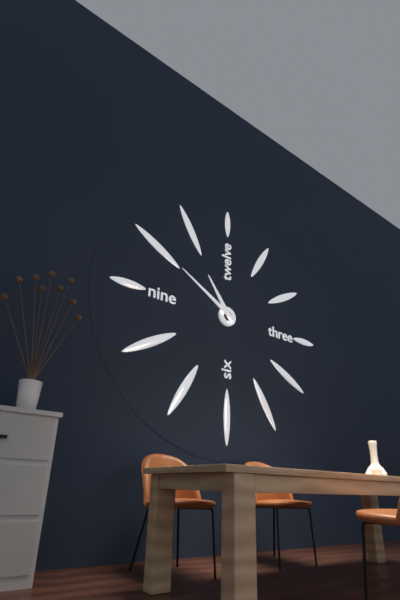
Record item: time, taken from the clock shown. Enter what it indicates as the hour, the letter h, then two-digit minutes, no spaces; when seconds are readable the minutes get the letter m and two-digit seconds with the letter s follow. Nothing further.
10h50
